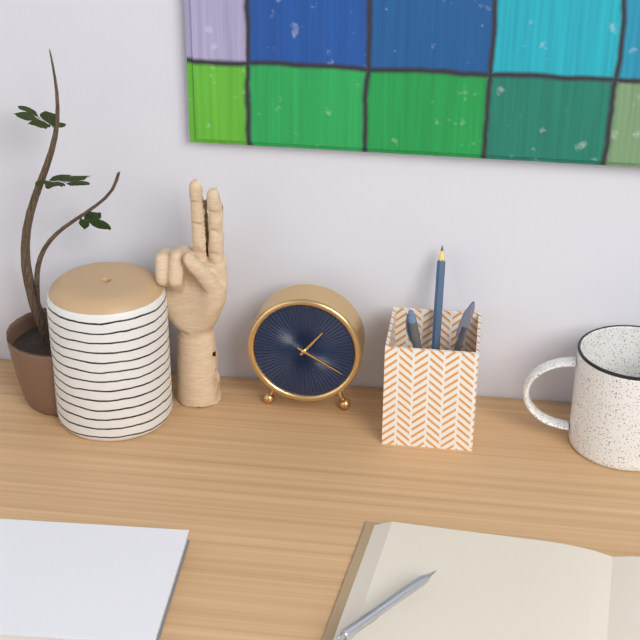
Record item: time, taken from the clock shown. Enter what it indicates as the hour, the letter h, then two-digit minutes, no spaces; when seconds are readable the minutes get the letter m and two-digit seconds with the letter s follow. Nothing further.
1h20
